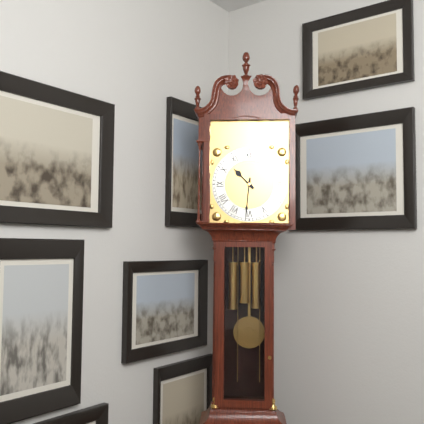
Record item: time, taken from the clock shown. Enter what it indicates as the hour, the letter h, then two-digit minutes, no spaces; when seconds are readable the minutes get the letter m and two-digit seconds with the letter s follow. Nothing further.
10h31
